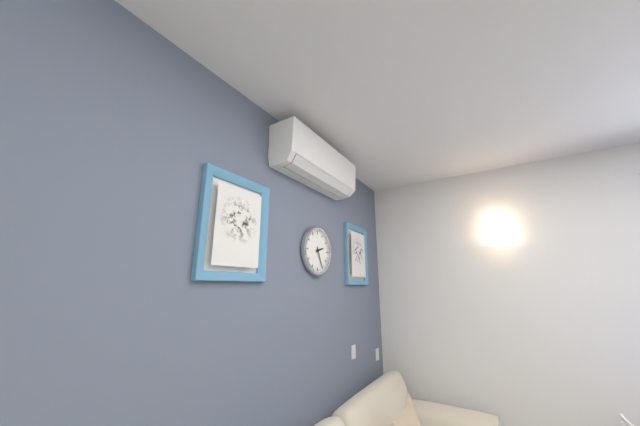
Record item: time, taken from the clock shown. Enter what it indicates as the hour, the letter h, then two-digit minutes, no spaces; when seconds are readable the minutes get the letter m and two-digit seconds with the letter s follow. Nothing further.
2h26
